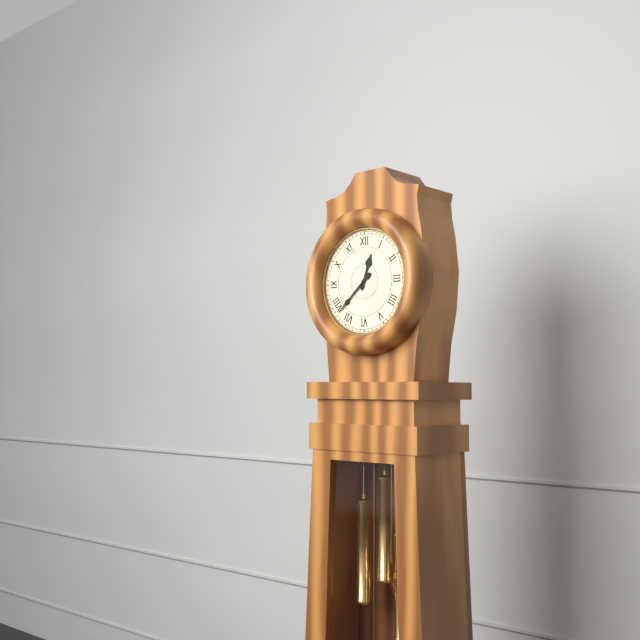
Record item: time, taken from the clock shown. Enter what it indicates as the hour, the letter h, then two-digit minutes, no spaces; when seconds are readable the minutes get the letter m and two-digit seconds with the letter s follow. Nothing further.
12h38
